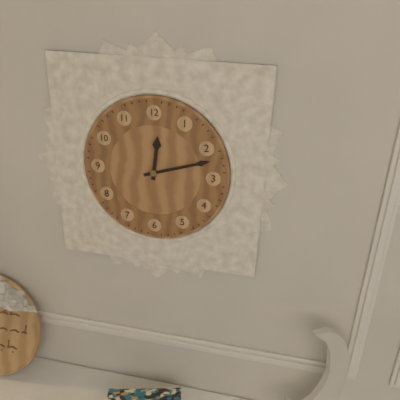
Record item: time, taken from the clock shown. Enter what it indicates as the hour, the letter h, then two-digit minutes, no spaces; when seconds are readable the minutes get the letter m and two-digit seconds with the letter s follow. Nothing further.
12h12
